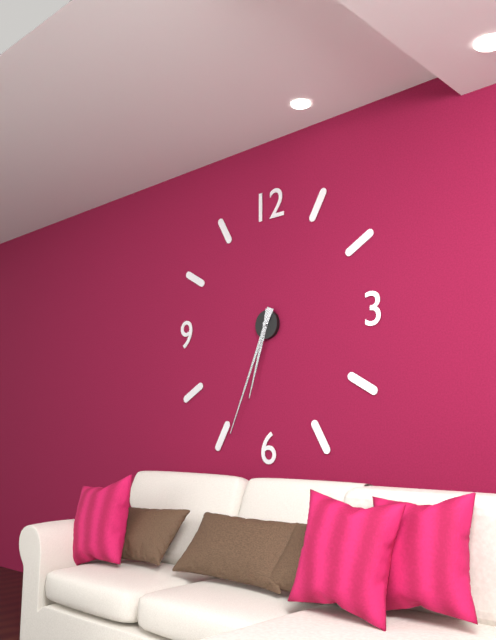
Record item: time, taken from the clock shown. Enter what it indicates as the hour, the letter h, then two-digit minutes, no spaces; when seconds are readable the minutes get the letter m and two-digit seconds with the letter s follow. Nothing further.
6h34
